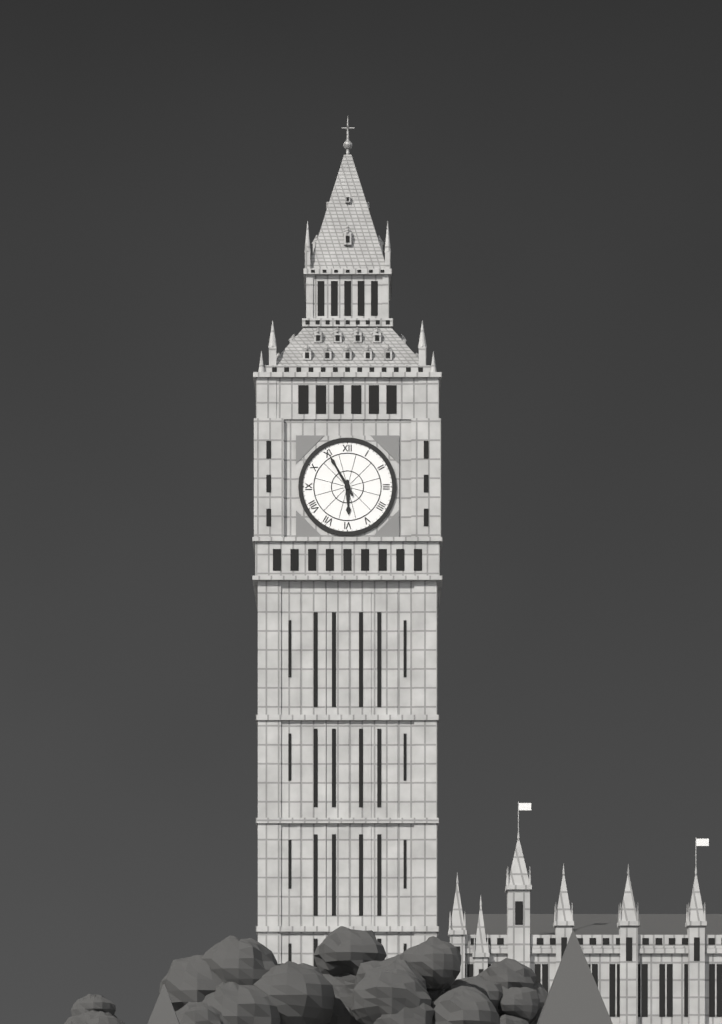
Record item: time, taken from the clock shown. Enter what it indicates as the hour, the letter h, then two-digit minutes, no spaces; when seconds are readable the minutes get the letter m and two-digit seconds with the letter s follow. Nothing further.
5h55
